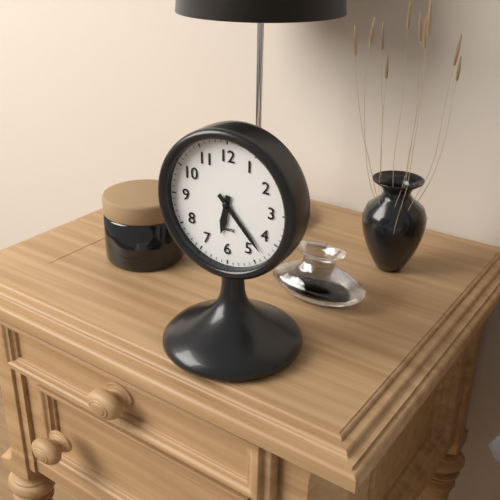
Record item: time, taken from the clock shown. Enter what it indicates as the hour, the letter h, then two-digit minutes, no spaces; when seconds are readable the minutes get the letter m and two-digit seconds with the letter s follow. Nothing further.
6h23
